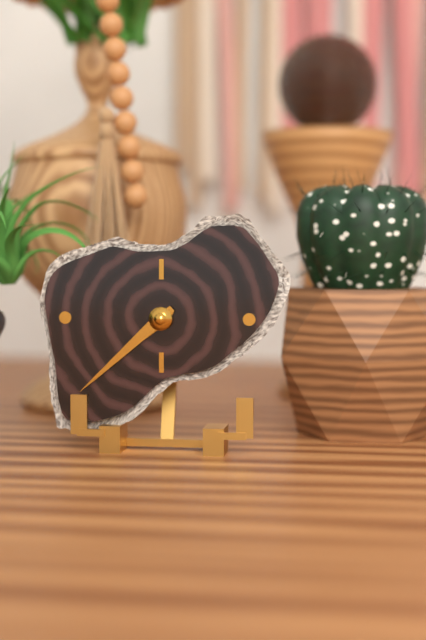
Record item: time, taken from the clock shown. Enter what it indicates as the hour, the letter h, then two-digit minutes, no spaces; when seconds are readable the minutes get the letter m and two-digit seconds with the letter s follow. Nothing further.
7h38
